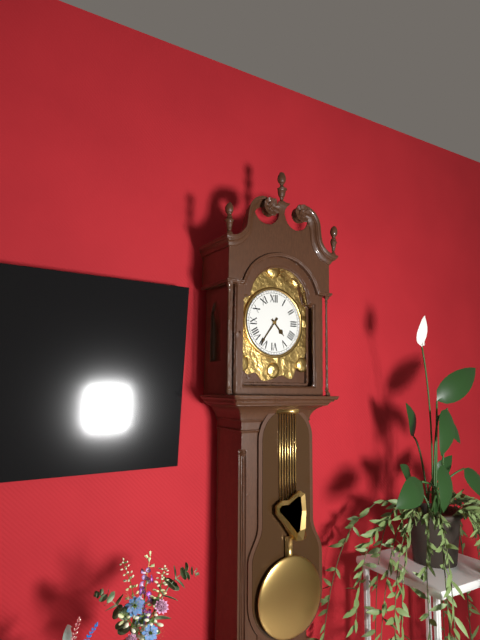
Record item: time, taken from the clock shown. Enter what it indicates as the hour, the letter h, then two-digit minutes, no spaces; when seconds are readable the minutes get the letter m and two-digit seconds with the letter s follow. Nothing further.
4h36
